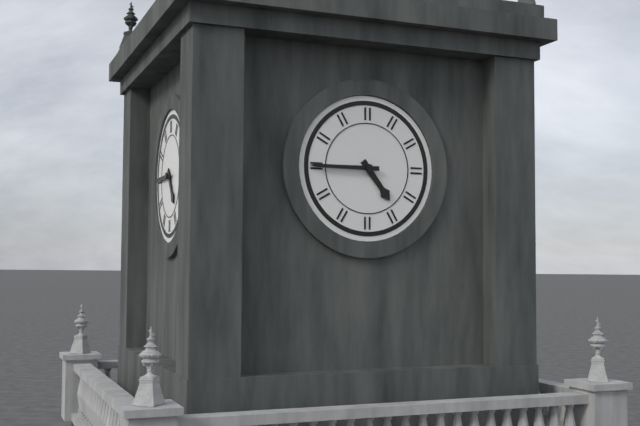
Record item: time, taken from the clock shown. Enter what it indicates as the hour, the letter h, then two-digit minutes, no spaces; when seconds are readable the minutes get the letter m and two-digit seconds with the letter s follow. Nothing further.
4h45
